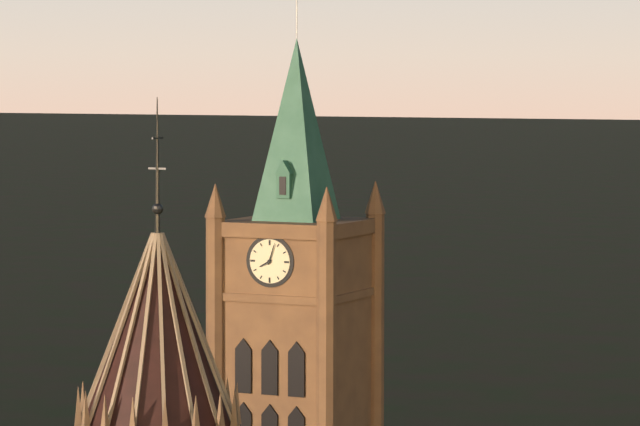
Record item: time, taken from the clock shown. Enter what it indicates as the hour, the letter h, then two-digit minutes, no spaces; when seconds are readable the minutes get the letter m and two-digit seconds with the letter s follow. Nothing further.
8h03
